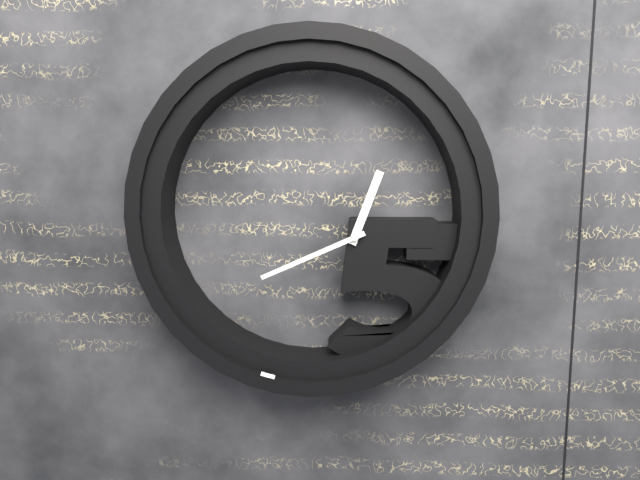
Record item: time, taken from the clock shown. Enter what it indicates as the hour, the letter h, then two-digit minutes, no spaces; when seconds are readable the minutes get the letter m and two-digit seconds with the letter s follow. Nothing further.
12h41
